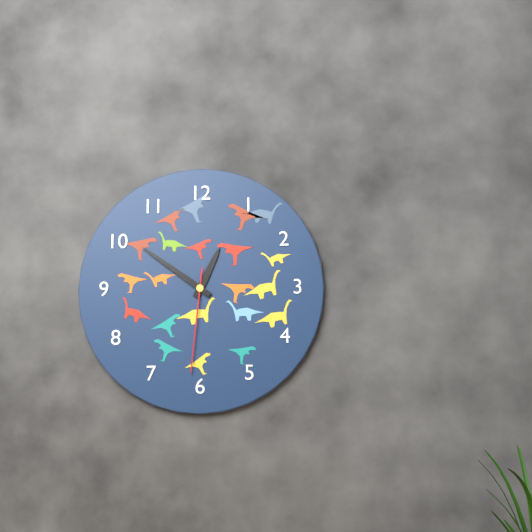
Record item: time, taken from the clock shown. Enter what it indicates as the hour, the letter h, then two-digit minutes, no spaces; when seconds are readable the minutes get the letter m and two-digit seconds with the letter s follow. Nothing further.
12h51m31s
